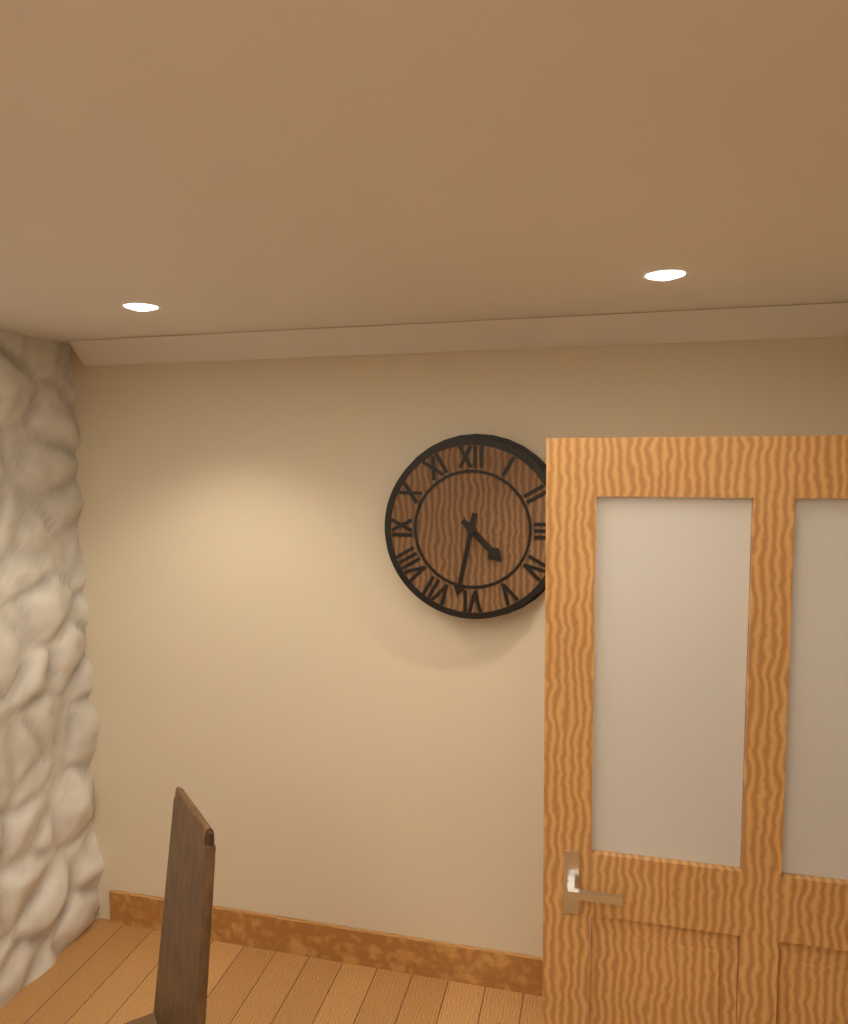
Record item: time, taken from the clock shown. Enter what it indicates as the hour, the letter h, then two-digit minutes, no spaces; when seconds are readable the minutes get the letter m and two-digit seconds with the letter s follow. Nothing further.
4h32
